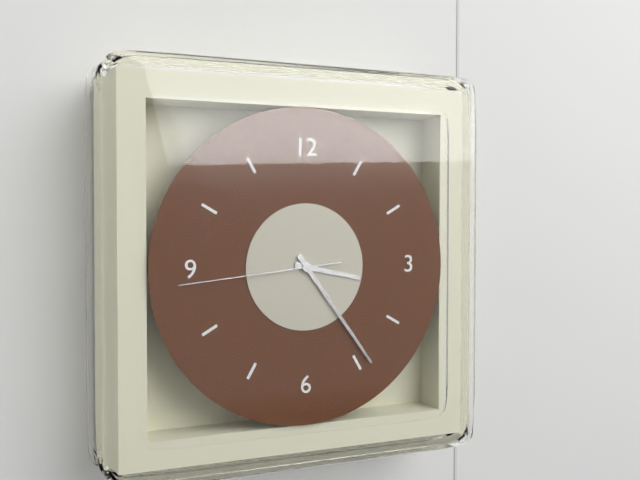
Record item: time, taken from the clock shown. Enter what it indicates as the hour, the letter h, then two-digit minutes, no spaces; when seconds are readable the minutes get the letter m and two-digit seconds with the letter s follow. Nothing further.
3h24m44s
